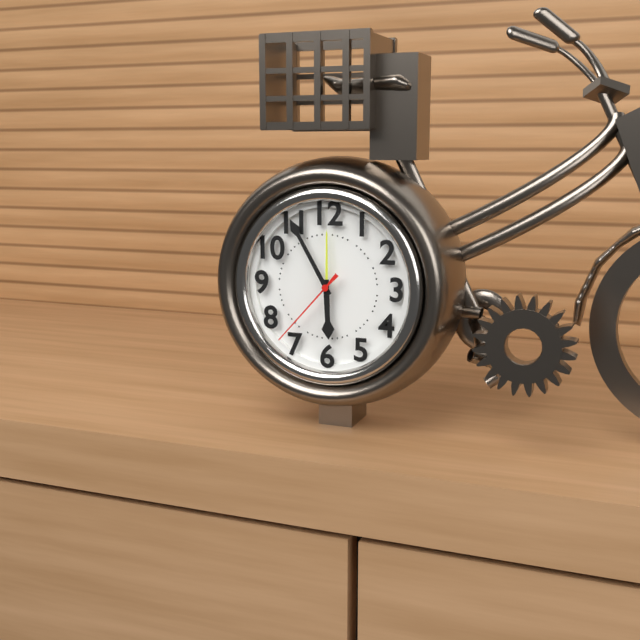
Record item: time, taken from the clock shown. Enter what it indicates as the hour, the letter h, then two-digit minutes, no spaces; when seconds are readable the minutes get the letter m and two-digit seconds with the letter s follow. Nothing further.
5h55m37s
